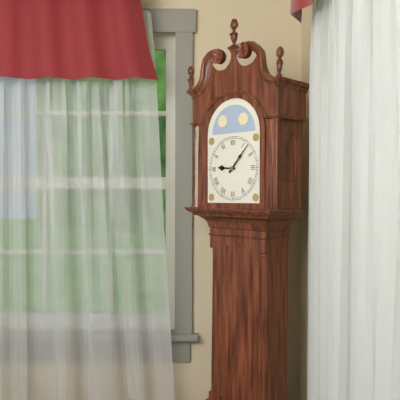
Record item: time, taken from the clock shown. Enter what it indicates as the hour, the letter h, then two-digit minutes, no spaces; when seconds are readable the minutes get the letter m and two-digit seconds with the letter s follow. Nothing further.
9h07
